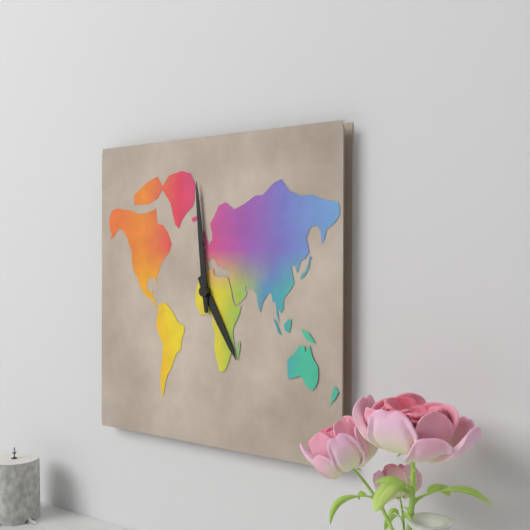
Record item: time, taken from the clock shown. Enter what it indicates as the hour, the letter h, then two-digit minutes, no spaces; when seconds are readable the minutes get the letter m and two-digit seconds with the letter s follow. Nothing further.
4h59
